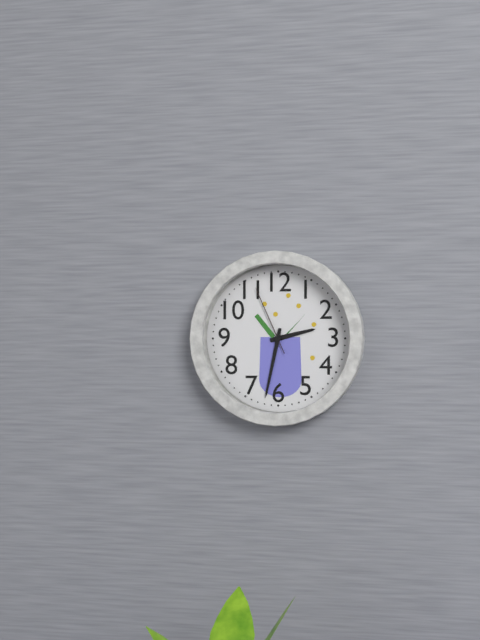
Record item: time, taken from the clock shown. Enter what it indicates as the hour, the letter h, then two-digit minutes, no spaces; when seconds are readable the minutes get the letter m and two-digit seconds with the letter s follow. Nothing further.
2h32m56s
